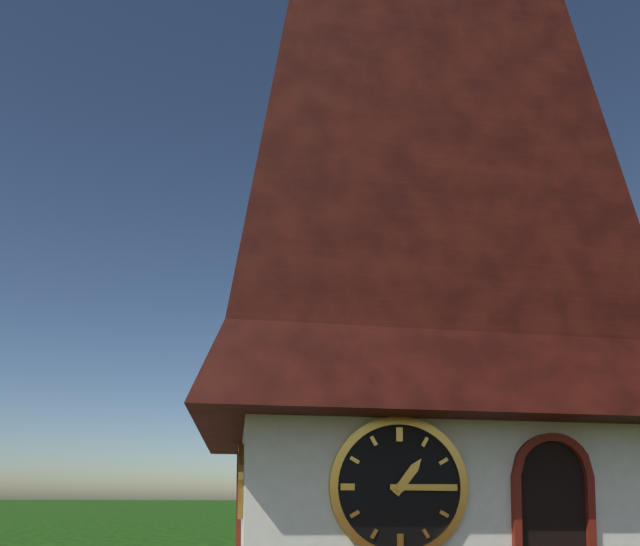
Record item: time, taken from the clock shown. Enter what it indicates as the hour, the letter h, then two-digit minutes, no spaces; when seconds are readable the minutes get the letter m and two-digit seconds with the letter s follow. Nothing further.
1h15
